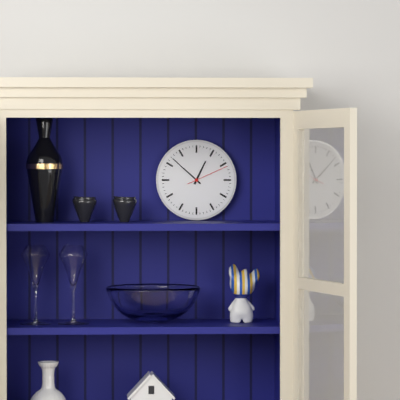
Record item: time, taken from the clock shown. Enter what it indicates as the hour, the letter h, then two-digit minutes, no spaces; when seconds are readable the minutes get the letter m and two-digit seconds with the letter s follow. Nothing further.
12h52
